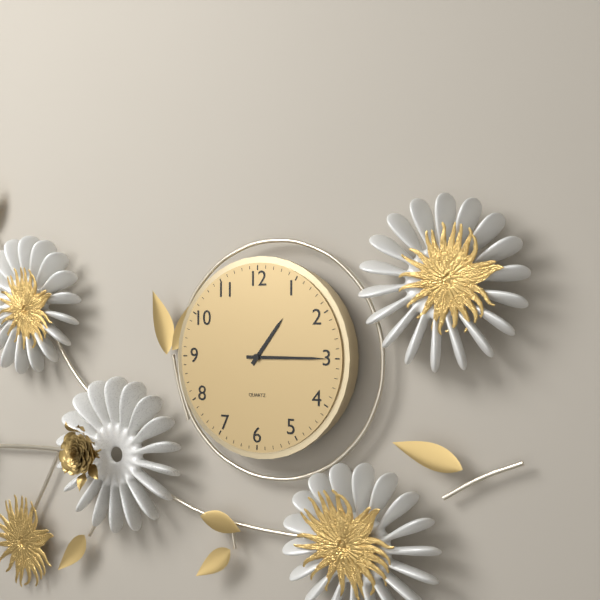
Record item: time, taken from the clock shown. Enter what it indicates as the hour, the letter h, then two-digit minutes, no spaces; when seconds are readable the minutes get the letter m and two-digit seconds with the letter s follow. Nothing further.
1h15
